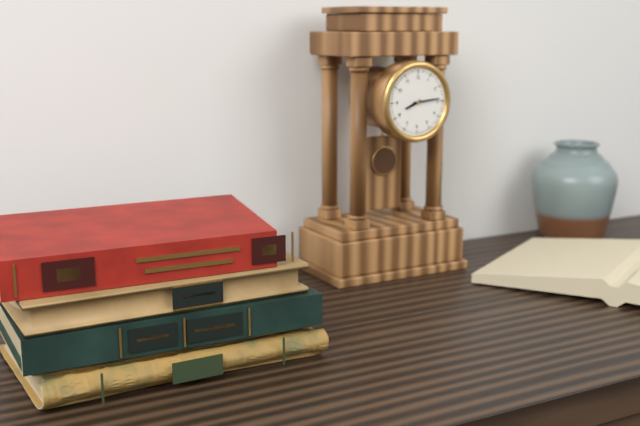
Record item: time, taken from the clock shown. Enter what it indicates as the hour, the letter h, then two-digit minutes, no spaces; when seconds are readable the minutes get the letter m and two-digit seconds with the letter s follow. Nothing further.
8h14
